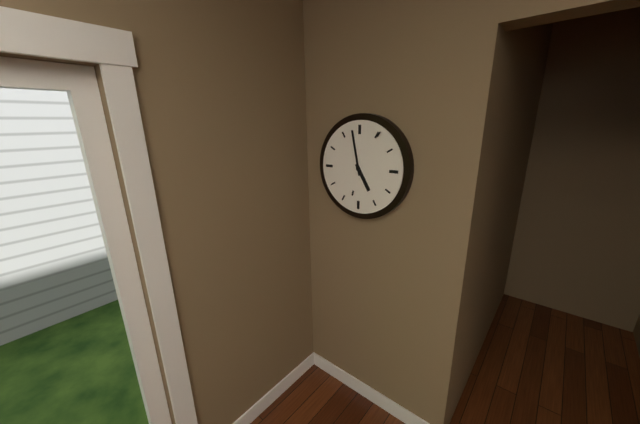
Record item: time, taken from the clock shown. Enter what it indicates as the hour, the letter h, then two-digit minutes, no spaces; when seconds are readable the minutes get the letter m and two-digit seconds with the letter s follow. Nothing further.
4h58
